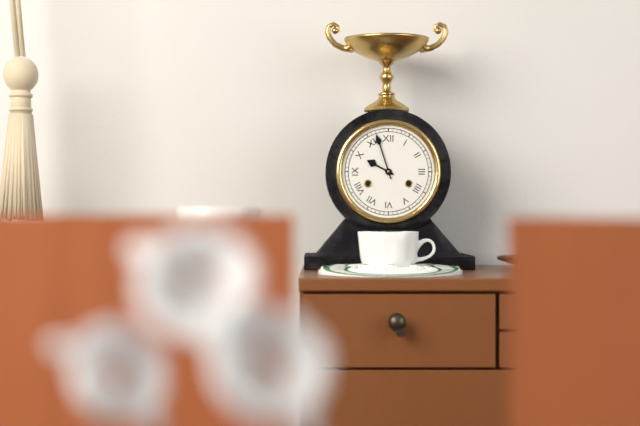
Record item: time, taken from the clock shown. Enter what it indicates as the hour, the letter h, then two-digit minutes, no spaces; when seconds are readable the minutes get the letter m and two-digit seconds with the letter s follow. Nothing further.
9h57
